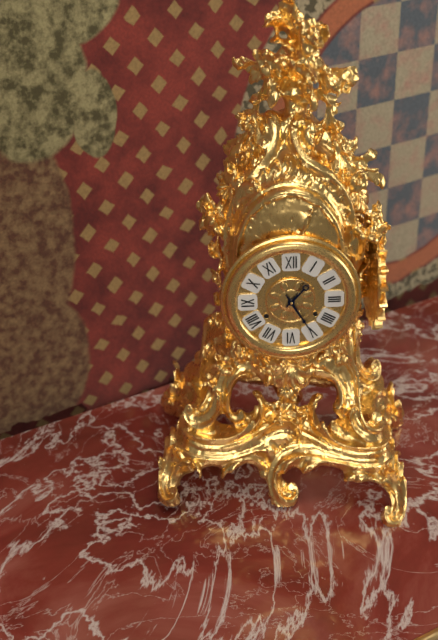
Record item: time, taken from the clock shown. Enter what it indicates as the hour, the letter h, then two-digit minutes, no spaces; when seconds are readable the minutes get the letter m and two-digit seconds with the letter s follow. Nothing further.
1h25
